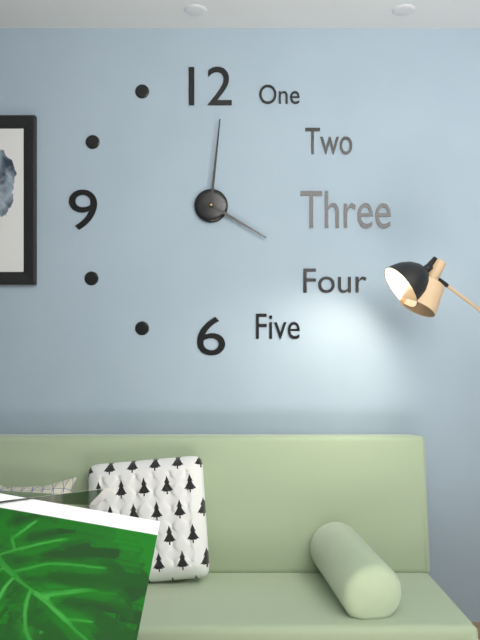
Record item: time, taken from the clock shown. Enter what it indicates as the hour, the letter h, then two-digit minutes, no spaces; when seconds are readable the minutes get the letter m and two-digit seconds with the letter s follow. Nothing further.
4h01
